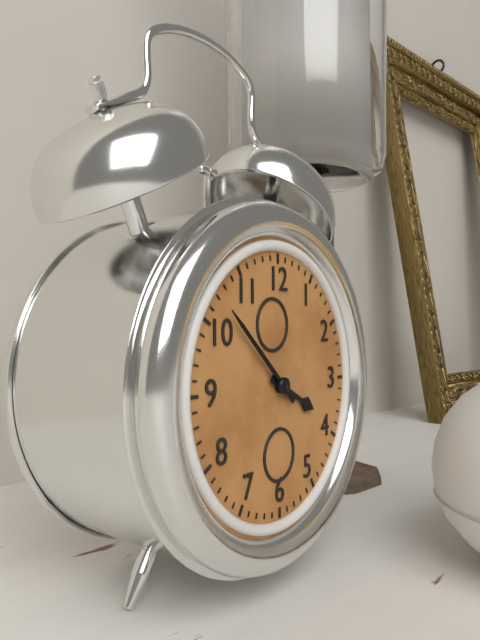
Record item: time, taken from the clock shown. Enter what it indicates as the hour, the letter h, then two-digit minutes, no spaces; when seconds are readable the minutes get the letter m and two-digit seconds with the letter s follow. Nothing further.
3h52
